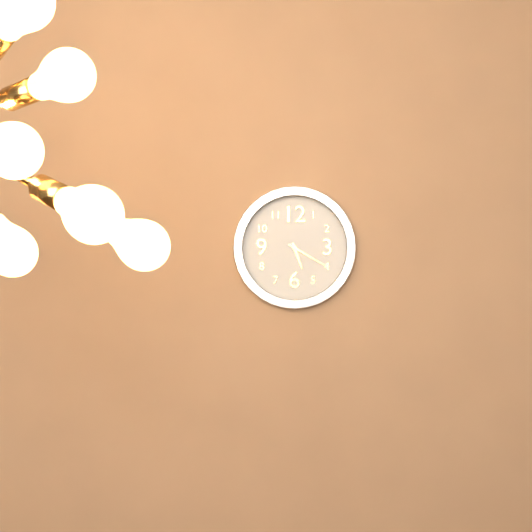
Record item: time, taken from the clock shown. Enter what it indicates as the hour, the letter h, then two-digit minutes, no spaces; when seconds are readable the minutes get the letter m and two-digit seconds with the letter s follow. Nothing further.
5h20
